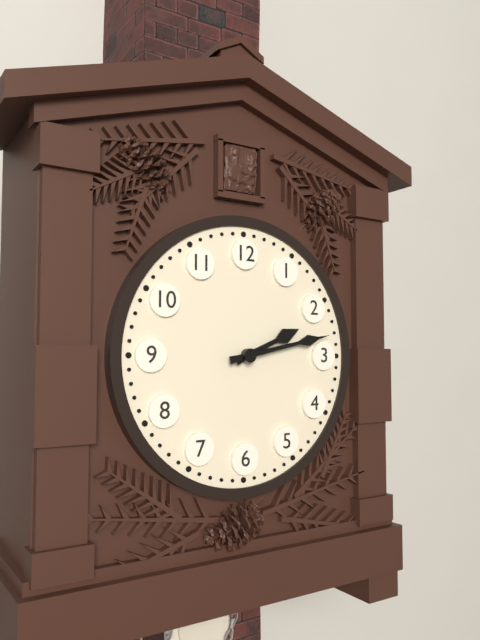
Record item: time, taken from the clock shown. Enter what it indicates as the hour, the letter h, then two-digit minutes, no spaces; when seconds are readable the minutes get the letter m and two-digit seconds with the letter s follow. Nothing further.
2h13
